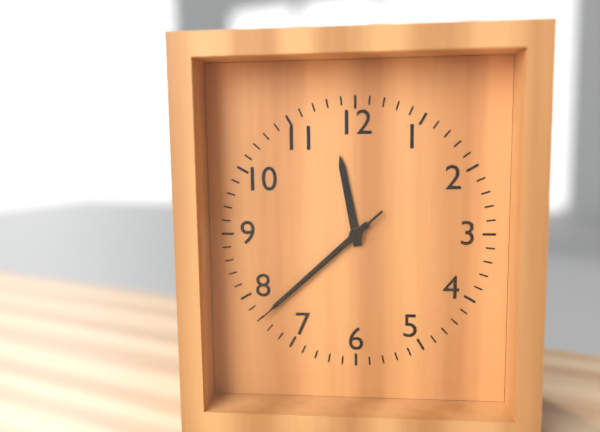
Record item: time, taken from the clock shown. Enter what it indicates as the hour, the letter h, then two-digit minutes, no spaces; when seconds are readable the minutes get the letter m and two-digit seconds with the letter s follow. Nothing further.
11h38m38s
